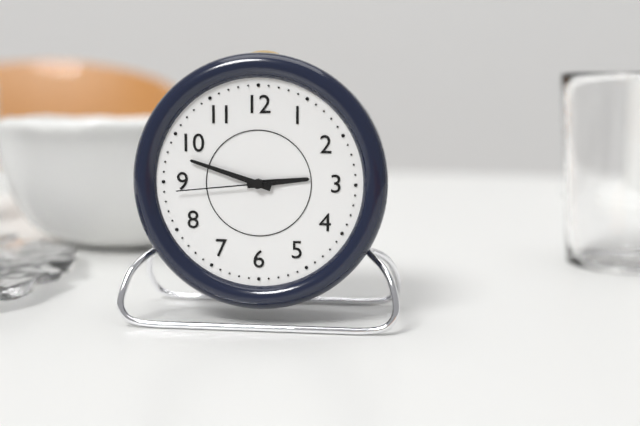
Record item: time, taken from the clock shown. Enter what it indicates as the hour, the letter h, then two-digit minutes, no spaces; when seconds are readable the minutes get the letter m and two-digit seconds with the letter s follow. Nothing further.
2h48m44s
